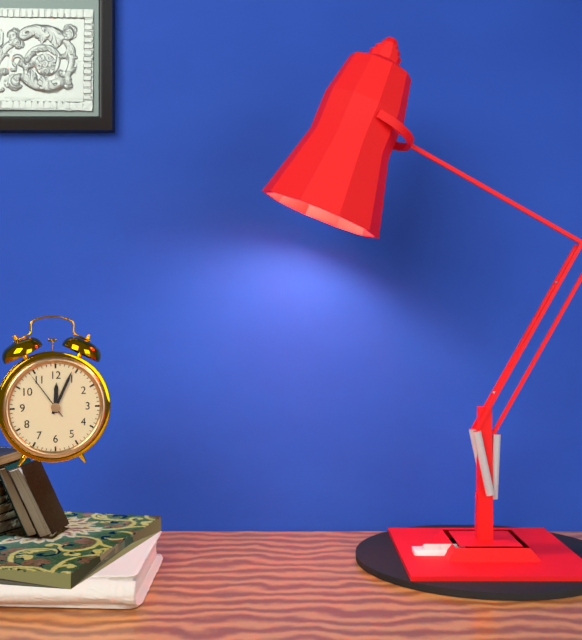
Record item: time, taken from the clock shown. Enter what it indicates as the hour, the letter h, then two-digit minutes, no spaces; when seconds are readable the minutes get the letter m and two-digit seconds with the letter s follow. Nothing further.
12h04m54s
